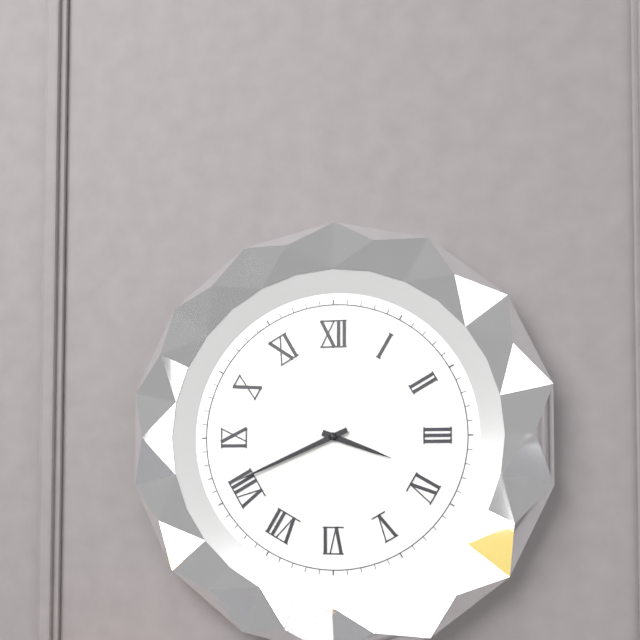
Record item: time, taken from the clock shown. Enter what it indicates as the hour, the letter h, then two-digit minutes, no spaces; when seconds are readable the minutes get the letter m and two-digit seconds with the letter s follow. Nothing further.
3h41
